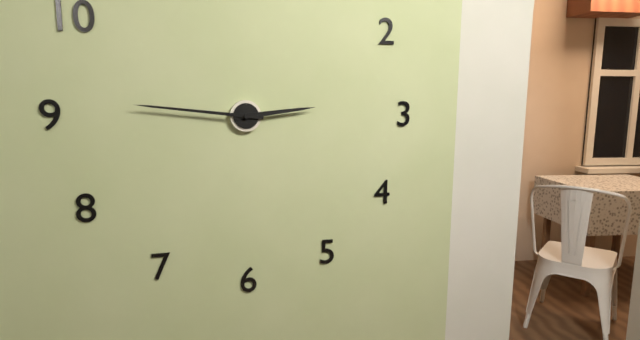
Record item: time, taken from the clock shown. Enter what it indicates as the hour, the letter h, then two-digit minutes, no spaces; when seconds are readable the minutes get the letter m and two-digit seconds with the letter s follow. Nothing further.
2h46
